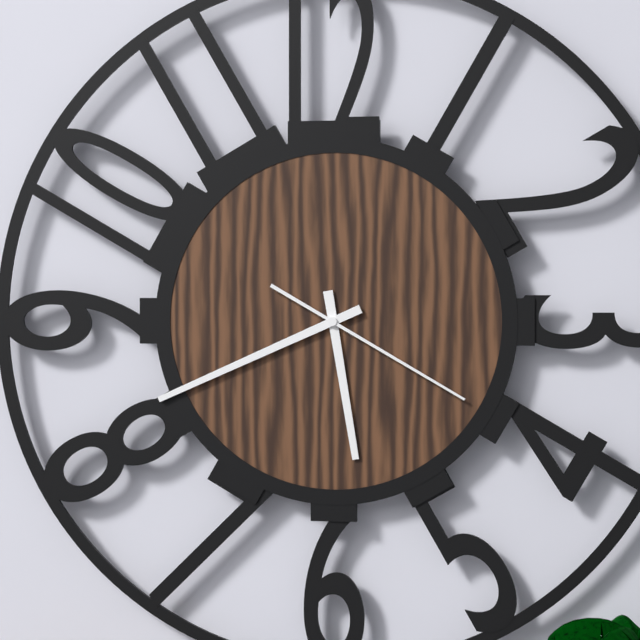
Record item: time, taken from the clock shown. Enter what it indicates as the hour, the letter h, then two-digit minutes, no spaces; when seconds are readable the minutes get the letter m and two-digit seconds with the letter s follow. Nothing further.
5h41m20s
